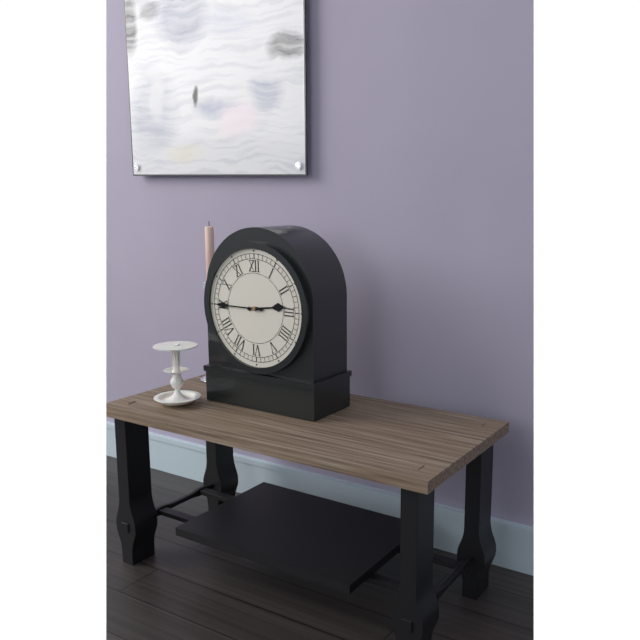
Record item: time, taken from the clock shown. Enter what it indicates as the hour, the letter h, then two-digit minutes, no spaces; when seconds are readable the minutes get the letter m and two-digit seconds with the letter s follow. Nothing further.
2h45
